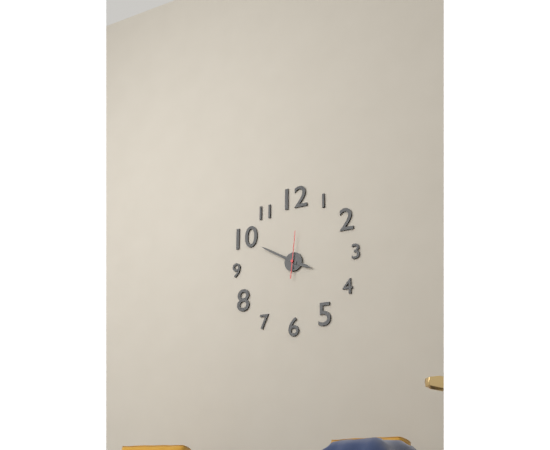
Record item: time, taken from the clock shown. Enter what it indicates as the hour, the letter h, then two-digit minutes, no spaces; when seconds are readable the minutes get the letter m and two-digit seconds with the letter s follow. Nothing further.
3h50
